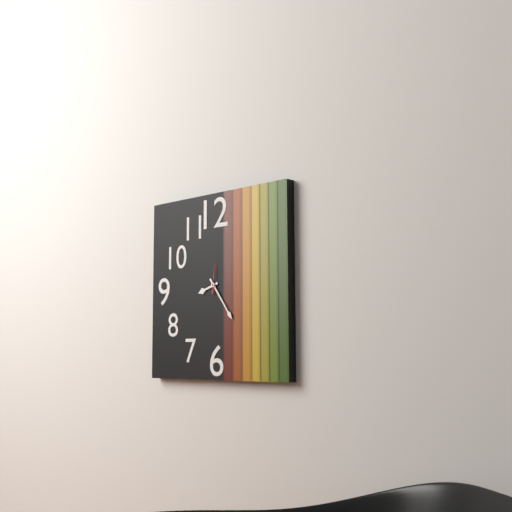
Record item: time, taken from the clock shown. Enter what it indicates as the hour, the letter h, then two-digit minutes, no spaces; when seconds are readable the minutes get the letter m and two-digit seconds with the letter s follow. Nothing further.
8h24
